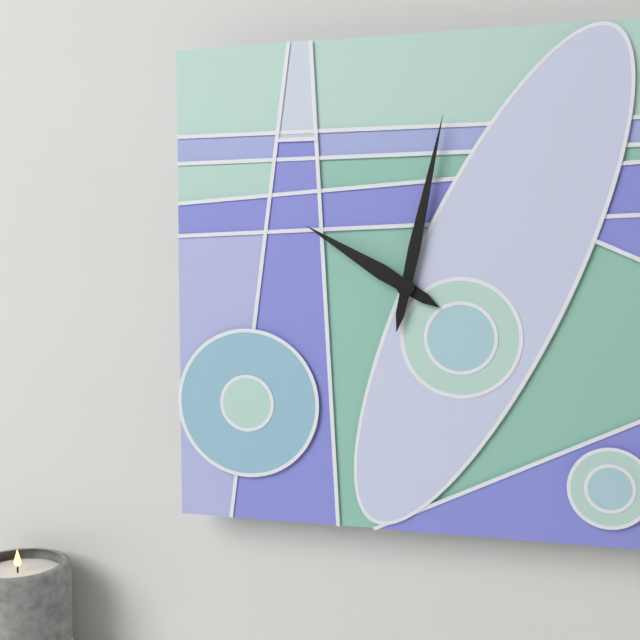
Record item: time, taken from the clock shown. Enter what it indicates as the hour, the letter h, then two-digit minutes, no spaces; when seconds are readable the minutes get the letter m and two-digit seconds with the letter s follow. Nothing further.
10h02
